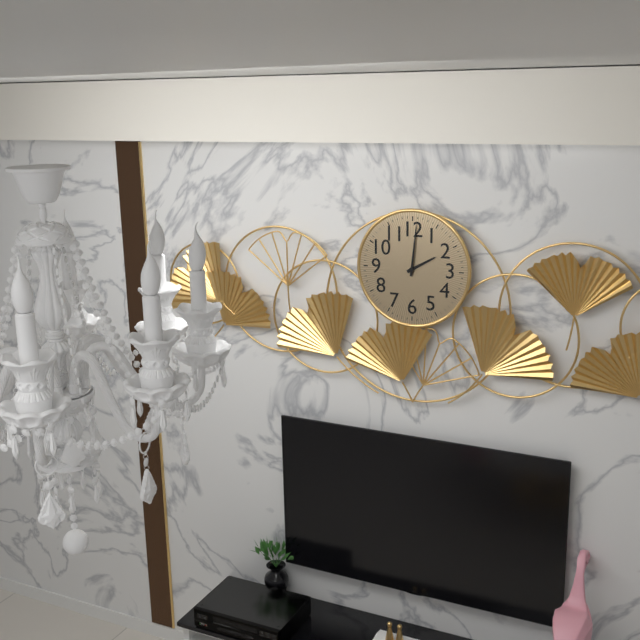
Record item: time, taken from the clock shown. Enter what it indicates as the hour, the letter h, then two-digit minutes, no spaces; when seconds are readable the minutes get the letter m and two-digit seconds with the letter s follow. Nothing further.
2h01
